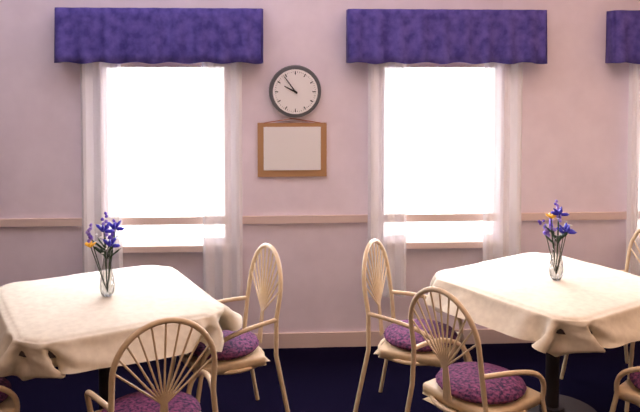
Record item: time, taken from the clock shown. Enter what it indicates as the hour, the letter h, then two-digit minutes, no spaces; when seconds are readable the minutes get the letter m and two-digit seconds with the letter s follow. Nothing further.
9h54
